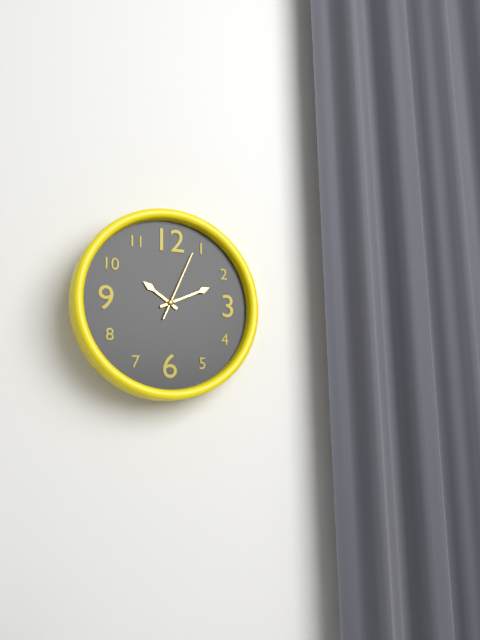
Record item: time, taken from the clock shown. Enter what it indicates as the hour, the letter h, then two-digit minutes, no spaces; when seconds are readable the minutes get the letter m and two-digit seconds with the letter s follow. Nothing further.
10h11m04s
